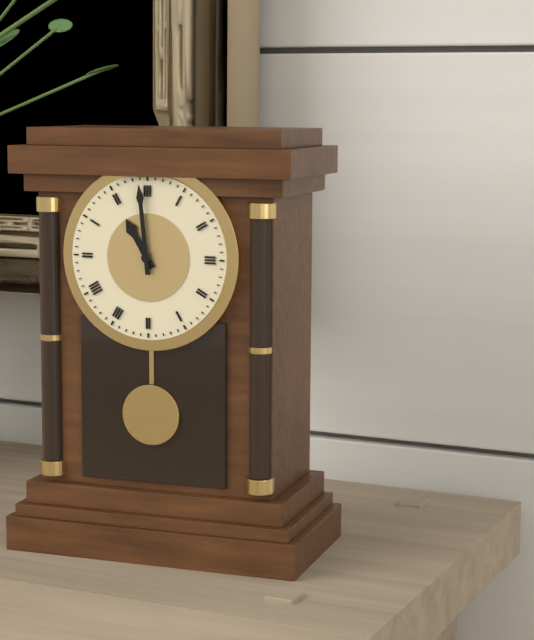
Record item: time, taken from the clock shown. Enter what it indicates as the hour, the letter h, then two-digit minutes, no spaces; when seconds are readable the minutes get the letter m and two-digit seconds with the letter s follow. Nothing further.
10h59
